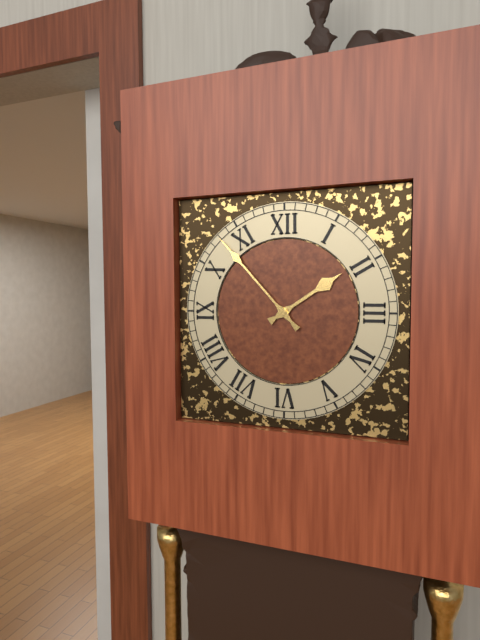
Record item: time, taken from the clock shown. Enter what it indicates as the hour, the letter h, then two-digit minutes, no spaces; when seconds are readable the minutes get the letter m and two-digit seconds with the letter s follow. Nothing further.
1h53
